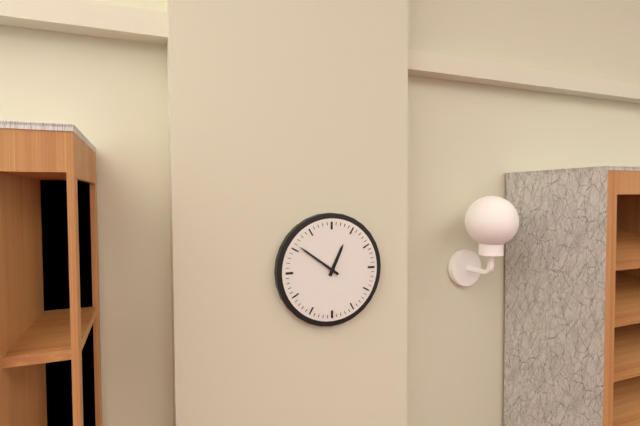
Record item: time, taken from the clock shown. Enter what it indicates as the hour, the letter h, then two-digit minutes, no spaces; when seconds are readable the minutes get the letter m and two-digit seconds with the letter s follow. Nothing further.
12h51
